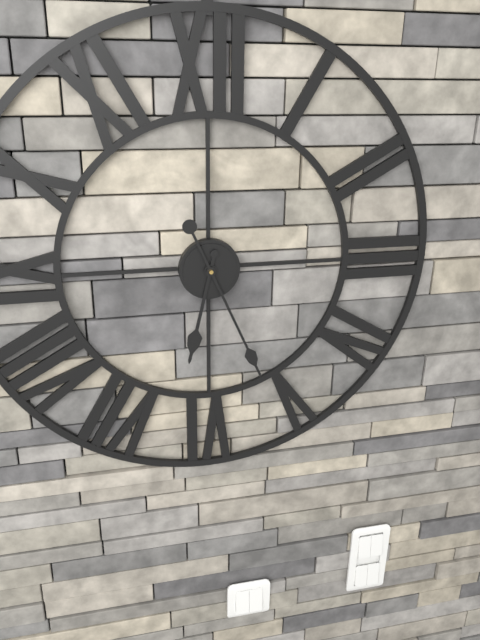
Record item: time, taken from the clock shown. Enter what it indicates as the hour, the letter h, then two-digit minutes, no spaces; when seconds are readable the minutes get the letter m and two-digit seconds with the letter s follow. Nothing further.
6h26
